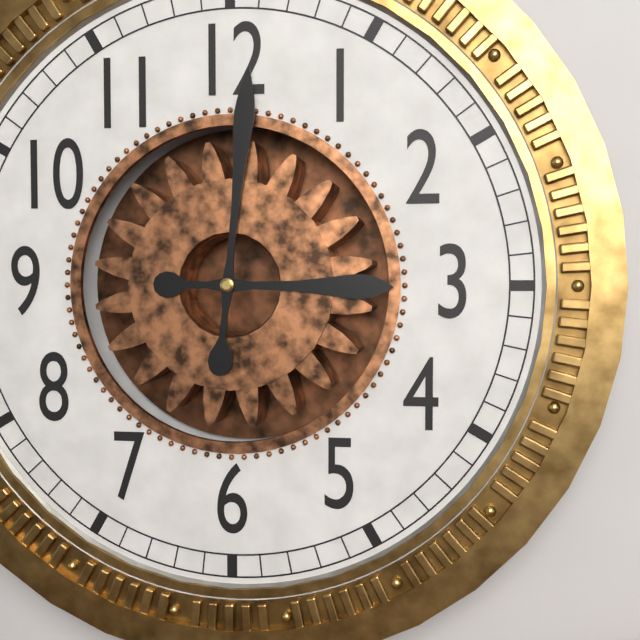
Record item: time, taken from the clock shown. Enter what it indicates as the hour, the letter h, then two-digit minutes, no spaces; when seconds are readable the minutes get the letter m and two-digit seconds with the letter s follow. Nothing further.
3h01
